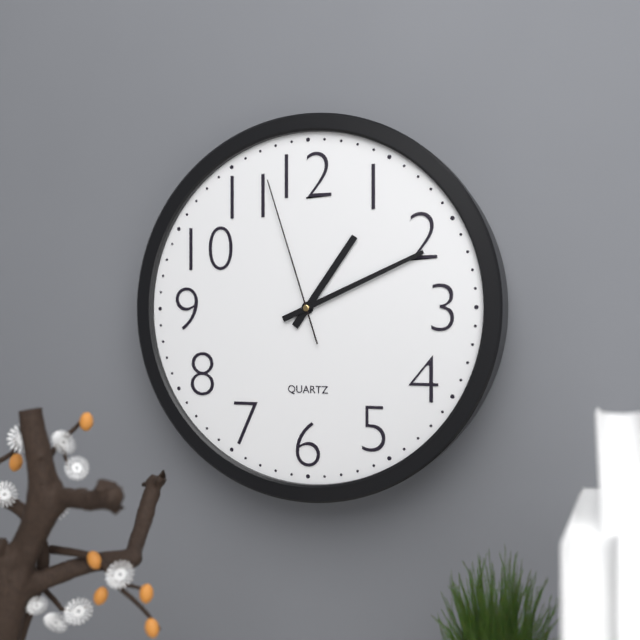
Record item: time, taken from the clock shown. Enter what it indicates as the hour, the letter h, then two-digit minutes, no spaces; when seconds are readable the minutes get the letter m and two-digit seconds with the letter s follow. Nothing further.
1h11m57s
